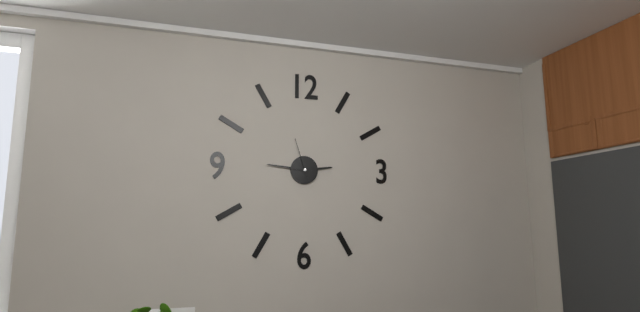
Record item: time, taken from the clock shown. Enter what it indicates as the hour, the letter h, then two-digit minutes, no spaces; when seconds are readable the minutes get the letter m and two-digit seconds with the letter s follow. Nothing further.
2h46
